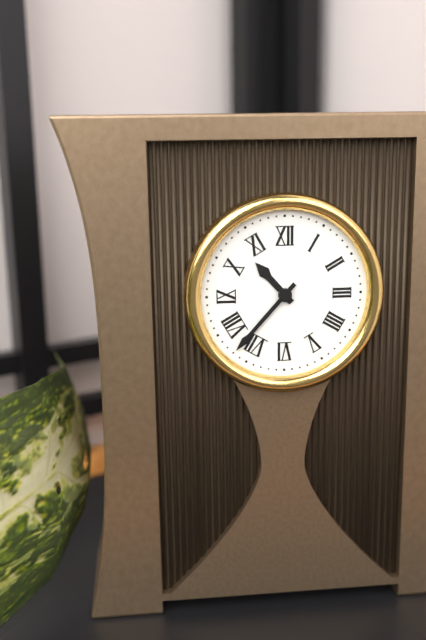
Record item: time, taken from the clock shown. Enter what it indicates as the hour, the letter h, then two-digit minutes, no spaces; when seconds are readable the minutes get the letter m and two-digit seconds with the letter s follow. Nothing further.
10h37
